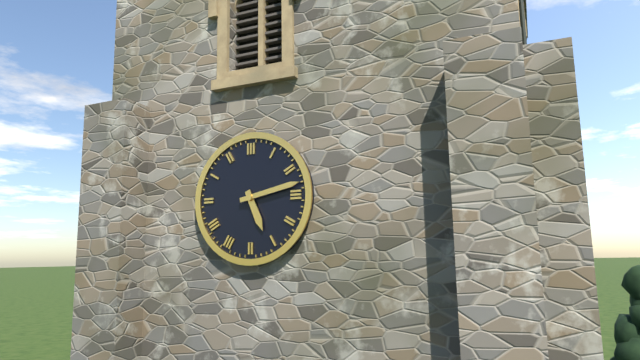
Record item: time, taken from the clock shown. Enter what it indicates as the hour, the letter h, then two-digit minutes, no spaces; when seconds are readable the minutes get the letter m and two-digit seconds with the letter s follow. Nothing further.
5h13
